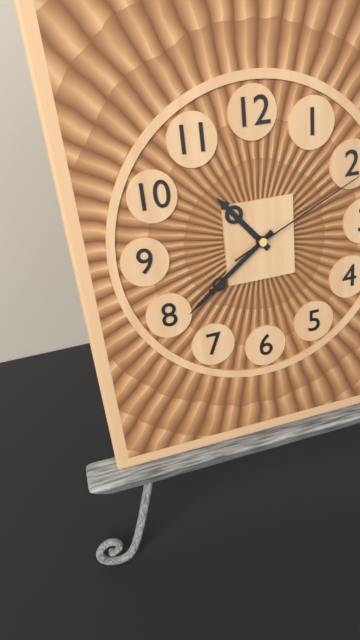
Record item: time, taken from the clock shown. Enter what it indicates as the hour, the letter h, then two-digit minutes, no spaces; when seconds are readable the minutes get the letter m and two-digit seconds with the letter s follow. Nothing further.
10h39
